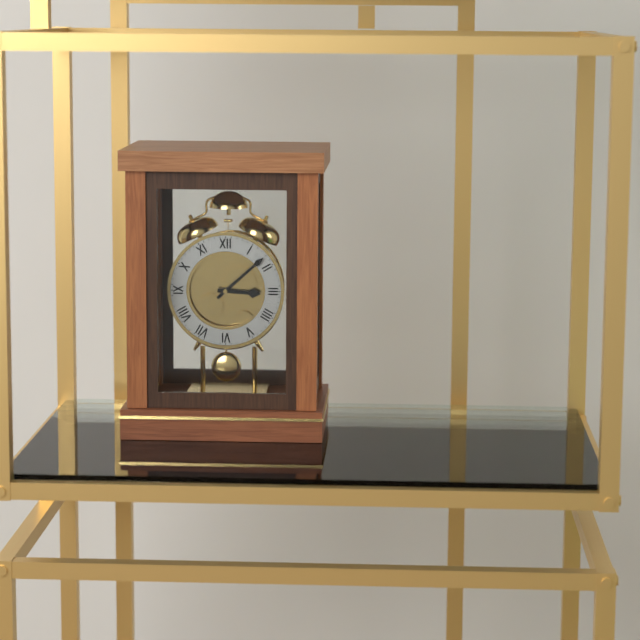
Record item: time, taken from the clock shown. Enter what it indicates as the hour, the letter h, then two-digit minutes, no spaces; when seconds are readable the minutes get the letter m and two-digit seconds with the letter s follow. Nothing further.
3h08
